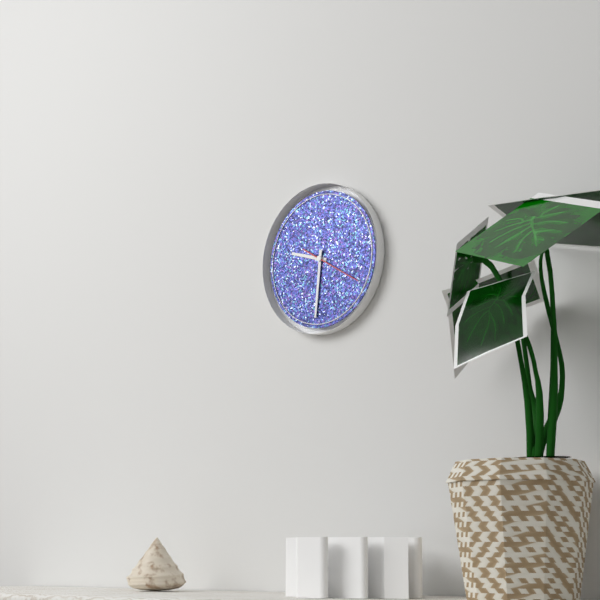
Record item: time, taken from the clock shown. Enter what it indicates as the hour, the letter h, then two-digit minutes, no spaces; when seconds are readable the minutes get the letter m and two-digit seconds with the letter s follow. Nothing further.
9h31m20s
